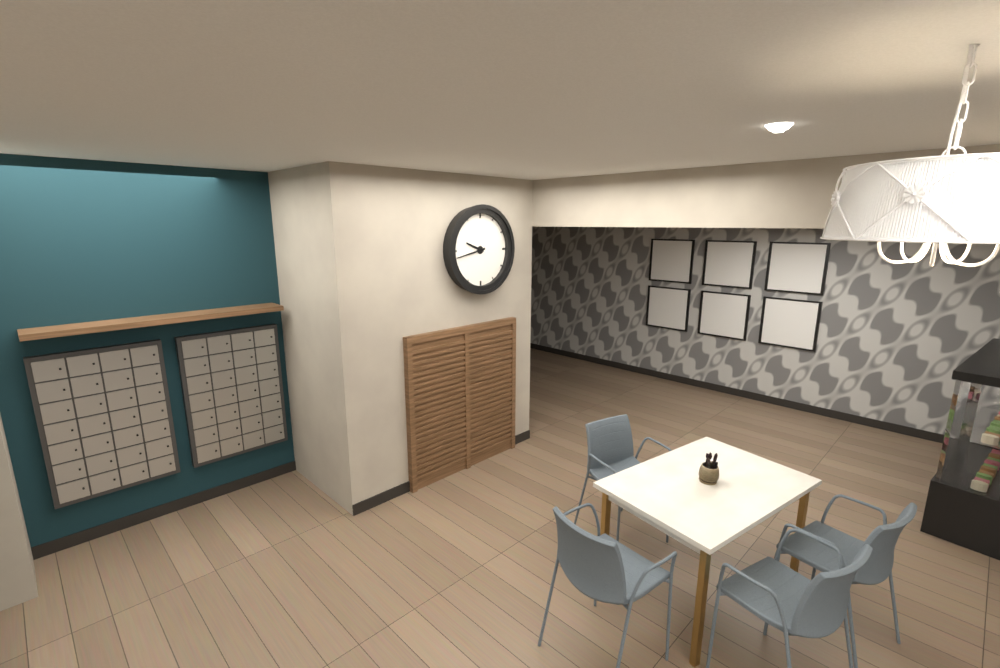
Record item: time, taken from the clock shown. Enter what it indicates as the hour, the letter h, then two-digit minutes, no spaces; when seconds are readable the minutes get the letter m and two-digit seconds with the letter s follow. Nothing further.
9h43
